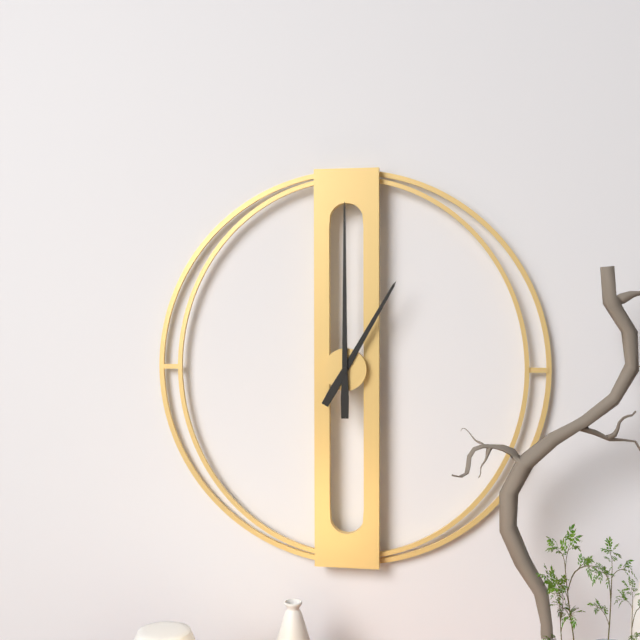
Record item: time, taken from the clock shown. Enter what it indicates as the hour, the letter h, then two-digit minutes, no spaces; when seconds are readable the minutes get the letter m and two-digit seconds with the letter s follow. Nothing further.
1h00
